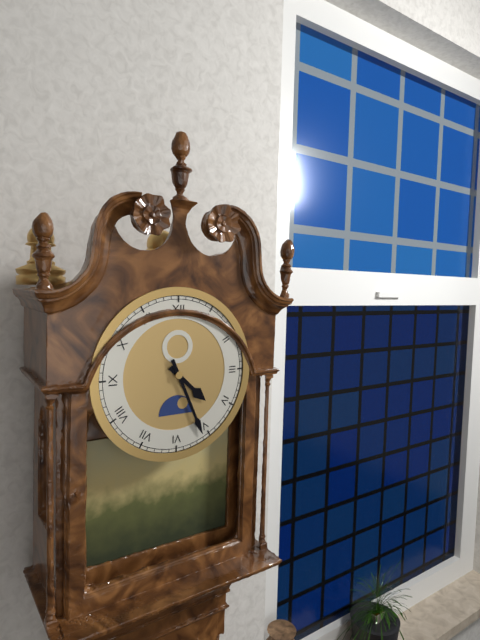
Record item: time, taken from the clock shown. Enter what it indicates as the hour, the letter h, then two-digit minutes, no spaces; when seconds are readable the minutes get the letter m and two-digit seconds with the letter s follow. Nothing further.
4h26
